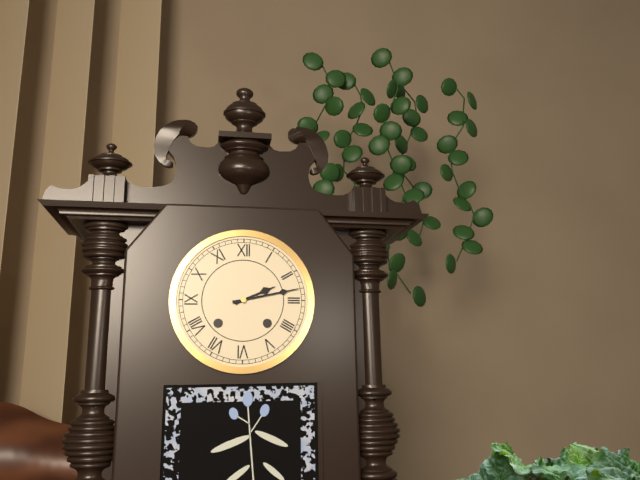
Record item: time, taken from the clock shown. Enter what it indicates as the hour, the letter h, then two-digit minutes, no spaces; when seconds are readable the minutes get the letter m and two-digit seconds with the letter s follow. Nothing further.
2h13
